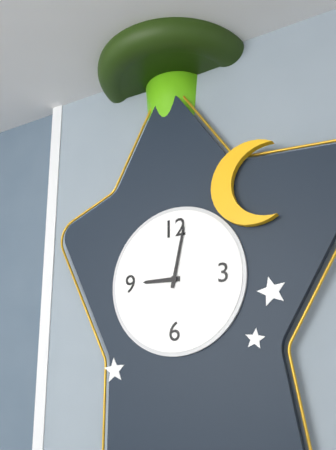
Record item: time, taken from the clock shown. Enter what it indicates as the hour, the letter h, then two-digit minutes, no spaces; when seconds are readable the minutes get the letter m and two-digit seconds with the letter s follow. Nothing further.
9h02
